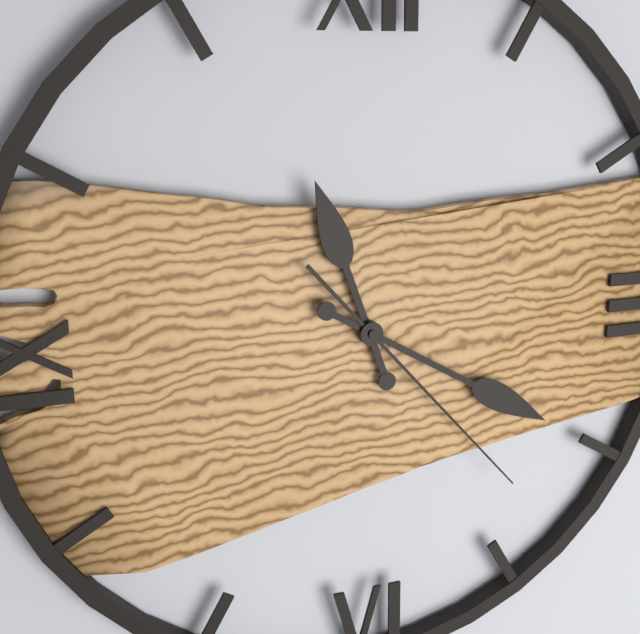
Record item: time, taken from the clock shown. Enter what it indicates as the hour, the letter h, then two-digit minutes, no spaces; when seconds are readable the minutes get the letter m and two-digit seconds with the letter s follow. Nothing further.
11h20m23s
